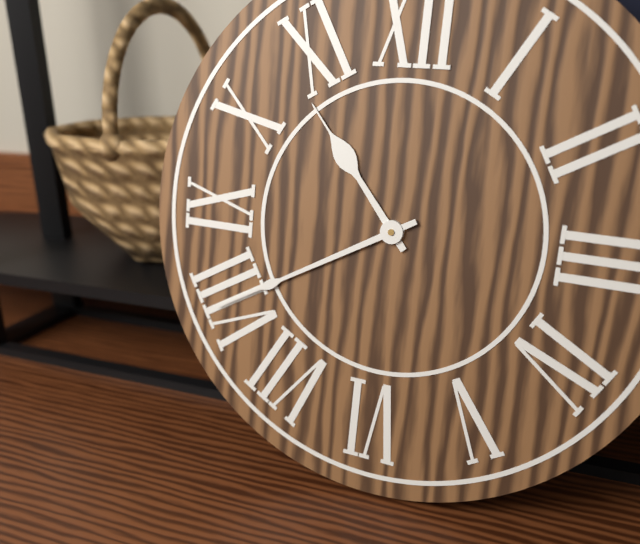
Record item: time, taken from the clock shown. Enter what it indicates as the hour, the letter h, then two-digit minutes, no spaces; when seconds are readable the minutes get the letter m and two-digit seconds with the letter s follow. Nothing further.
10h40
